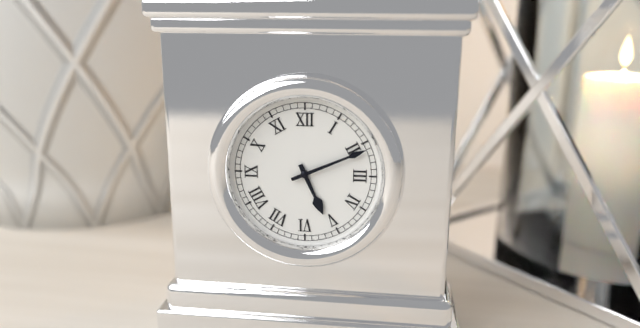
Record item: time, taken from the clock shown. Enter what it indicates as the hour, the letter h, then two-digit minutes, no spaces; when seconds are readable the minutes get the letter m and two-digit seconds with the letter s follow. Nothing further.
5h11
